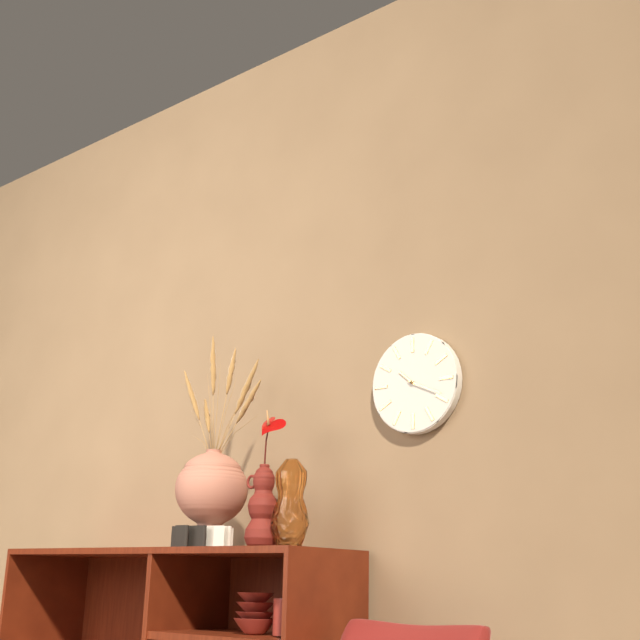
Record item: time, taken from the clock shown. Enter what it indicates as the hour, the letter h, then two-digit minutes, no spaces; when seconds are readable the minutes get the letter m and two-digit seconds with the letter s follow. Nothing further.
10h19
